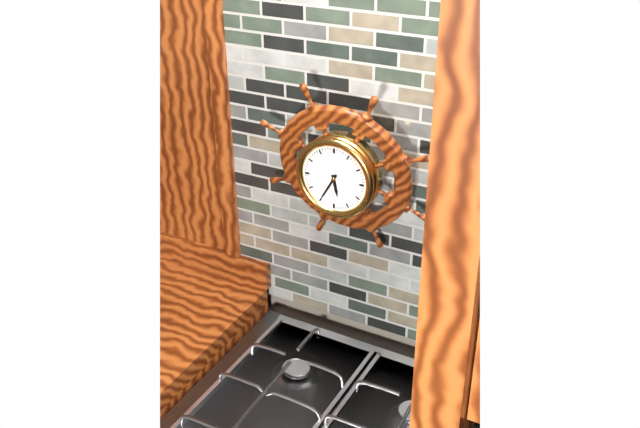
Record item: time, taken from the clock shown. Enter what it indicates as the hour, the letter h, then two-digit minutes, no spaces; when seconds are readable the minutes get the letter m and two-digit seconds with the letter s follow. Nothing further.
5h35
